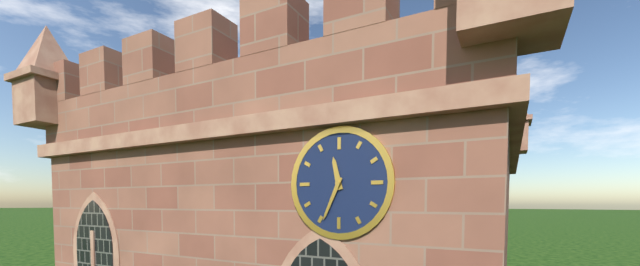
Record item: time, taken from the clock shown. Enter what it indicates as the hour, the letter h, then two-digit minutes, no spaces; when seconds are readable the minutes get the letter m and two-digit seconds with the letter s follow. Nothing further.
11h34
